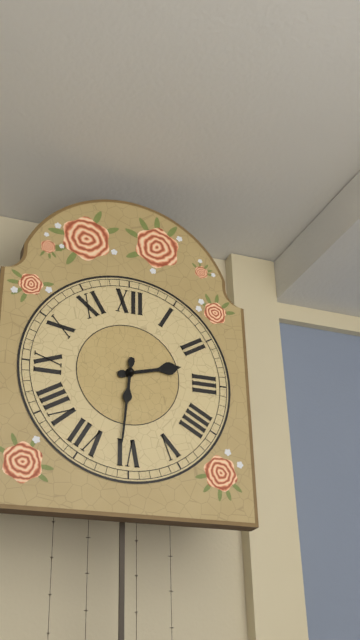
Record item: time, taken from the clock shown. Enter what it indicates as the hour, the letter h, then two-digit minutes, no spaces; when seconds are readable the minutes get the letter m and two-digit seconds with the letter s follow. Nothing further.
2h31
